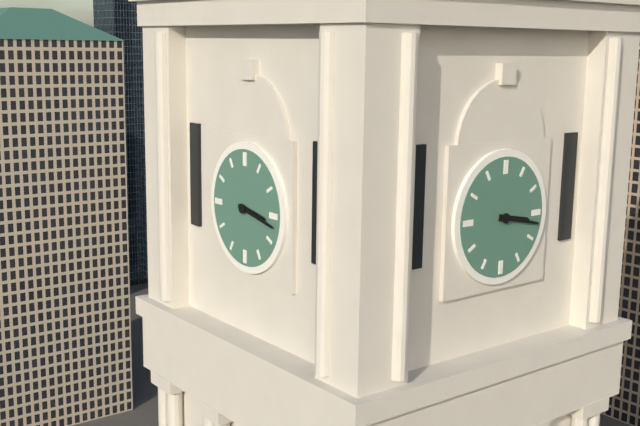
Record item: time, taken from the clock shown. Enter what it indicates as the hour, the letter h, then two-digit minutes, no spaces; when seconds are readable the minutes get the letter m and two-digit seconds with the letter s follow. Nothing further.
3h17
